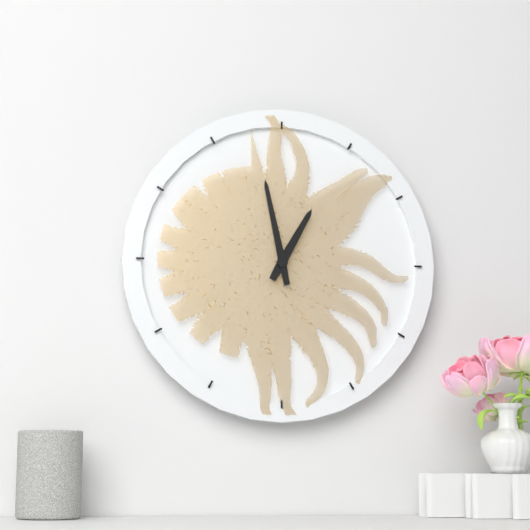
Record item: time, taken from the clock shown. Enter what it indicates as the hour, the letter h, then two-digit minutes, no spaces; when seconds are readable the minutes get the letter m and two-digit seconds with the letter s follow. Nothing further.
12h58
